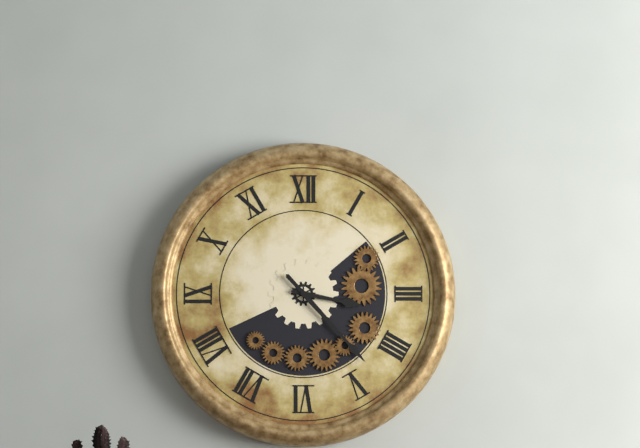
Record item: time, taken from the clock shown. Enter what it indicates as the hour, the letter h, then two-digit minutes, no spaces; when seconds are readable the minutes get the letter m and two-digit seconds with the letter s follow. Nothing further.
3h23
